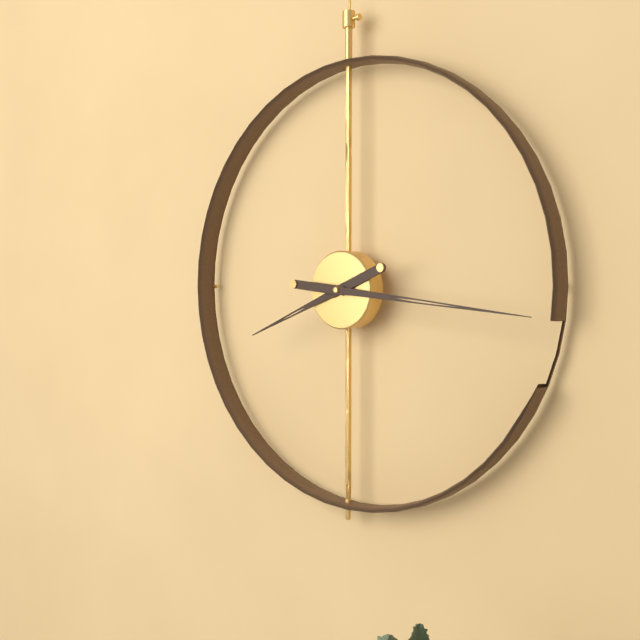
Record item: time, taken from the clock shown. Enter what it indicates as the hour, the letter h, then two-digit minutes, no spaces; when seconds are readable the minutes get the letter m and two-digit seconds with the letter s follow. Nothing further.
8h16
